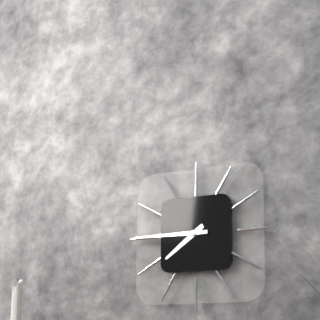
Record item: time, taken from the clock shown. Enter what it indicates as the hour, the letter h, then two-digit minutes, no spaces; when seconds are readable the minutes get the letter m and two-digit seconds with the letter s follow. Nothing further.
7h45
